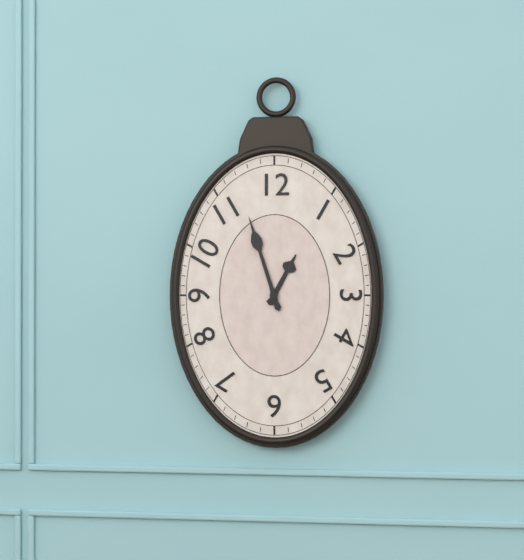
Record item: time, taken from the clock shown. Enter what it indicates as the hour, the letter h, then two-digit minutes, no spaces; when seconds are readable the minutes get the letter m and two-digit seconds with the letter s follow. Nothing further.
12h57
